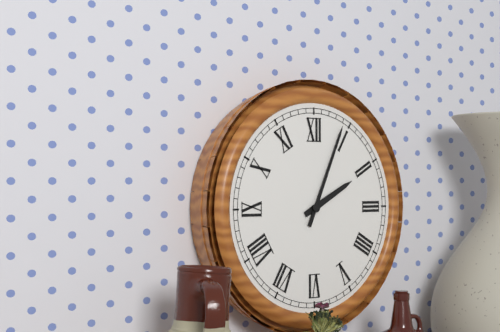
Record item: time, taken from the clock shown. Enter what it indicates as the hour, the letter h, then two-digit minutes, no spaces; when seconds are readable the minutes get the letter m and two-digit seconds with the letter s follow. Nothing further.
2h04
